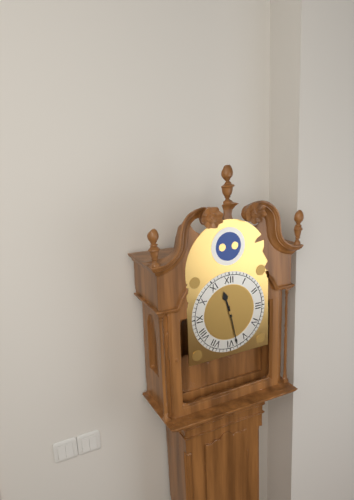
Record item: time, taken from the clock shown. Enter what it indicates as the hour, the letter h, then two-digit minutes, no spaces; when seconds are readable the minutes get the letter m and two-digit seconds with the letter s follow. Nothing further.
11h28
